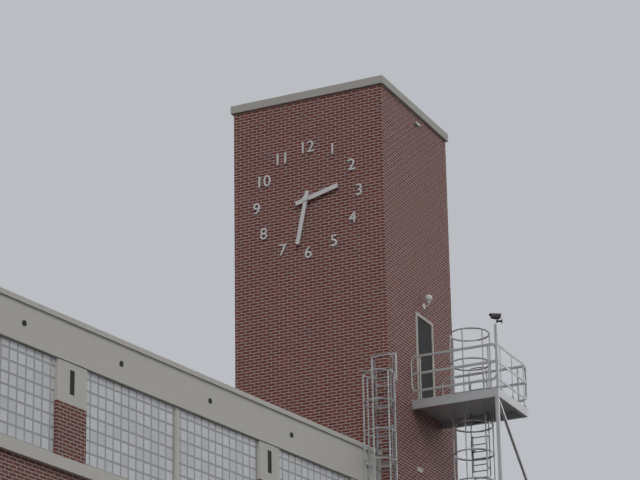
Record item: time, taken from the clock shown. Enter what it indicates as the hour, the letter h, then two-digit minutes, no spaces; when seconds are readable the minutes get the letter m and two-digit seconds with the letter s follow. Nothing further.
2h32
